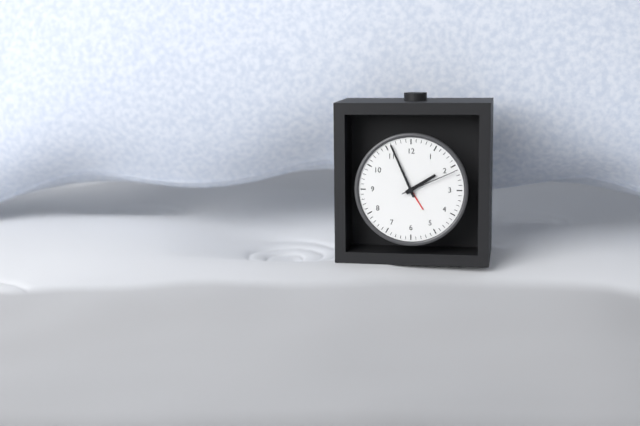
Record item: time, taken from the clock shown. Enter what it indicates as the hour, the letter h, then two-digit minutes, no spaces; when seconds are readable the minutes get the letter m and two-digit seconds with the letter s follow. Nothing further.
1h56m11s
